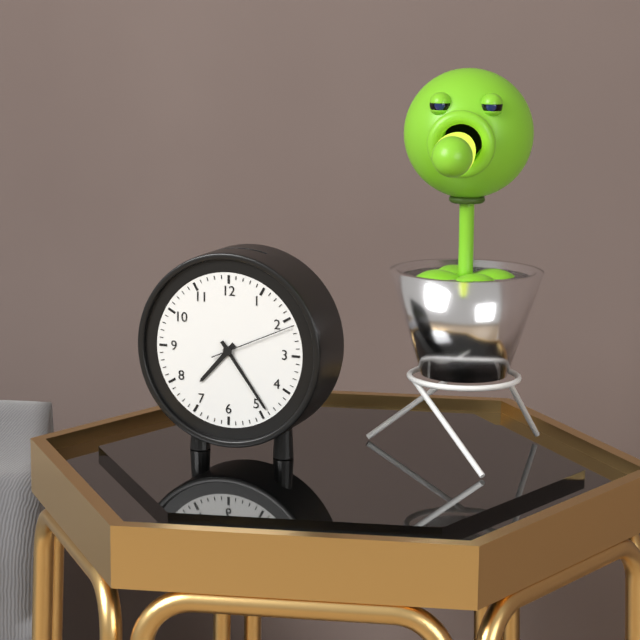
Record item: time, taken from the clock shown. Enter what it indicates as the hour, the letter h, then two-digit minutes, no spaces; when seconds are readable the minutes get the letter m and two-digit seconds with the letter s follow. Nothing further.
7h24m11s
